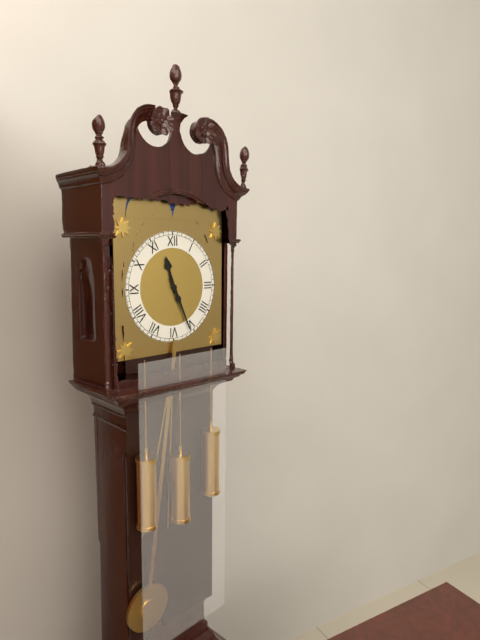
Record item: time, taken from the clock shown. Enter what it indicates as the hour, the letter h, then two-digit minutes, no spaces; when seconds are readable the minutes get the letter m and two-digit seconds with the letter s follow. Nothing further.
11h26
